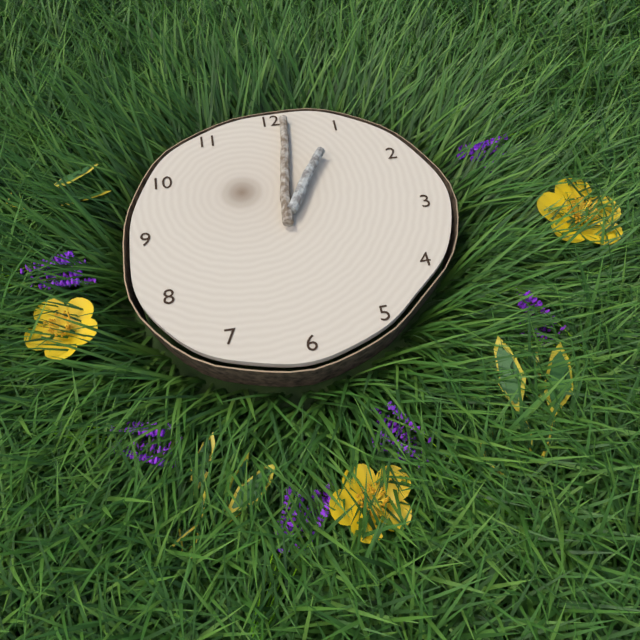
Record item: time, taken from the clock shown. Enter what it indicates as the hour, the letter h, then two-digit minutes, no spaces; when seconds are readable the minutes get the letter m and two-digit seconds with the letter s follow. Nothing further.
1h01
